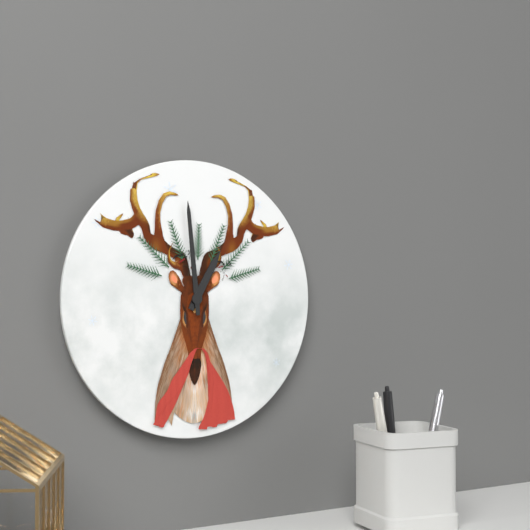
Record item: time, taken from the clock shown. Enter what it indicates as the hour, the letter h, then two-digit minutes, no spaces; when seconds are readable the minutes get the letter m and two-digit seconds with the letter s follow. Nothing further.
12h59
